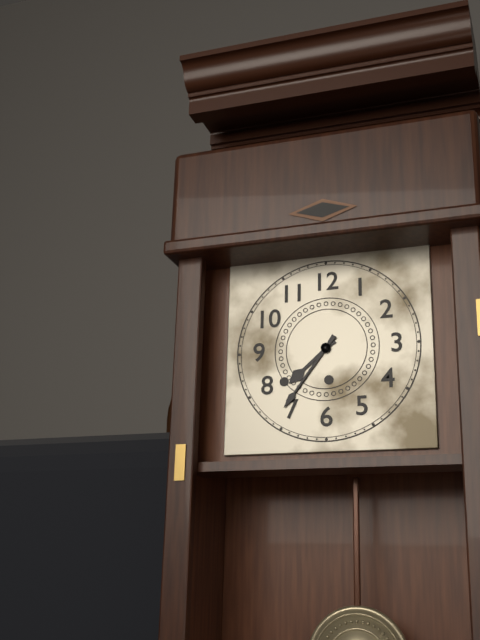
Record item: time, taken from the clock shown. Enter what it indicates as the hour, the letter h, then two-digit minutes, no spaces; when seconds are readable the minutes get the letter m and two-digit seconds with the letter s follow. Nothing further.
7h36
